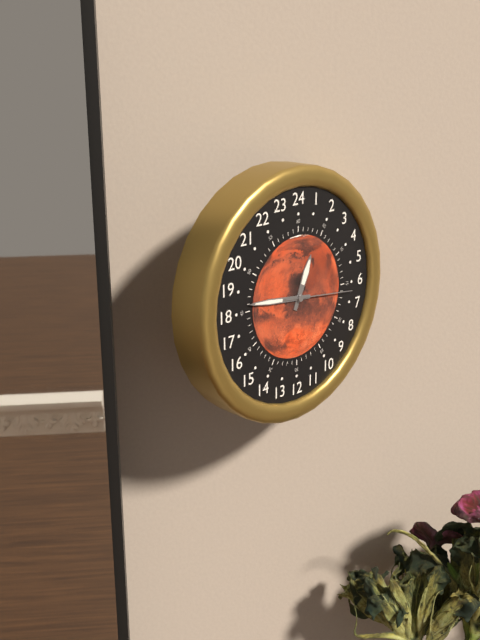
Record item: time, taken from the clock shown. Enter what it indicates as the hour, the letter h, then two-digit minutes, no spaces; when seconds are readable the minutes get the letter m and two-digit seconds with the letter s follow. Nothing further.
12h46m16s
